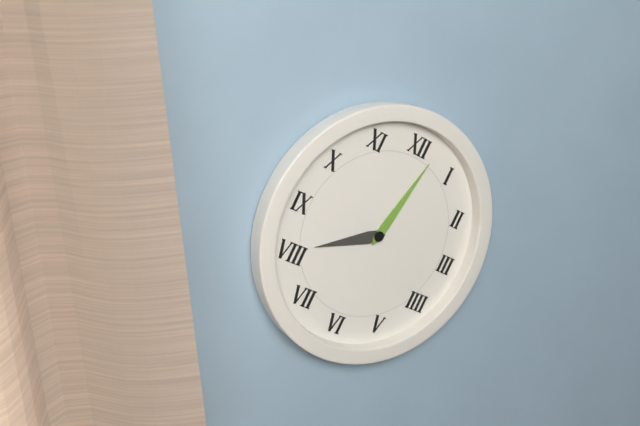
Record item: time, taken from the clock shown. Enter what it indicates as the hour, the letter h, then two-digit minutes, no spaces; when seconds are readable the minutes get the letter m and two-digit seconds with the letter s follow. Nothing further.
8h02
